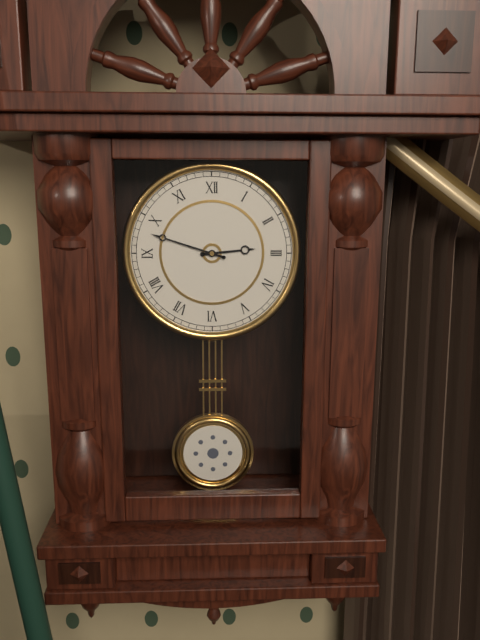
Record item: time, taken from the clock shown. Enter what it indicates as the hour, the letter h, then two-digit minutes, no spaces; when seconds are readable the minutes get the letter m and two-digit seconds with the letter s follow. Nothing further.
2h48
